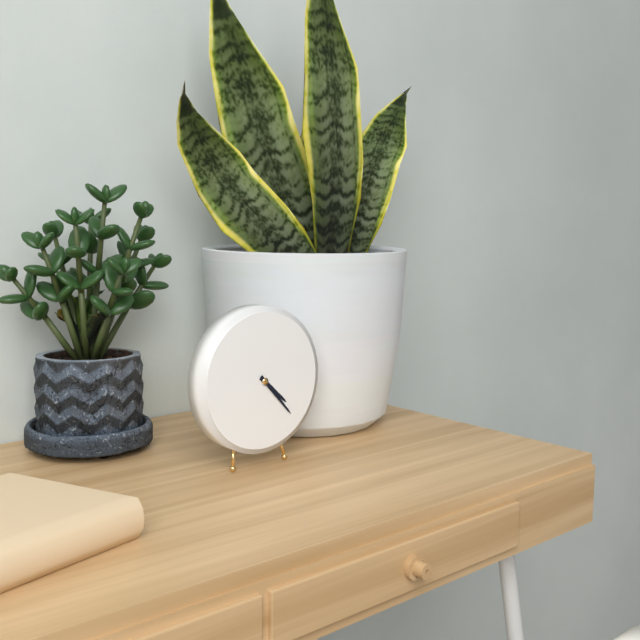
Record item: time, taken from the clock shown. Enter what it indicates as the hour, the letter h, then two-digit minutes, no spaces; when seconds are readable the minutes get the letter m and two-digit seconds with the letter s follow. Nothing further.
4h23
